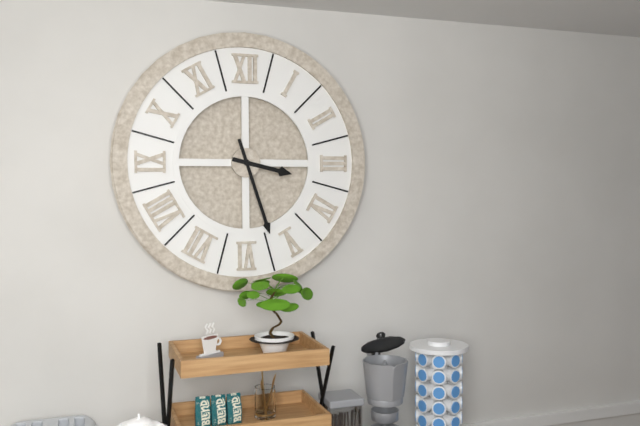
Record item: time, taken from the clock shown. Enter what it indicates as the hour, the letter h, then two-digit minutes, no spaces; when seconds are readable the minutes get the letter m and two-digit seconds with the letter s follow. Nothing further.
3h27
